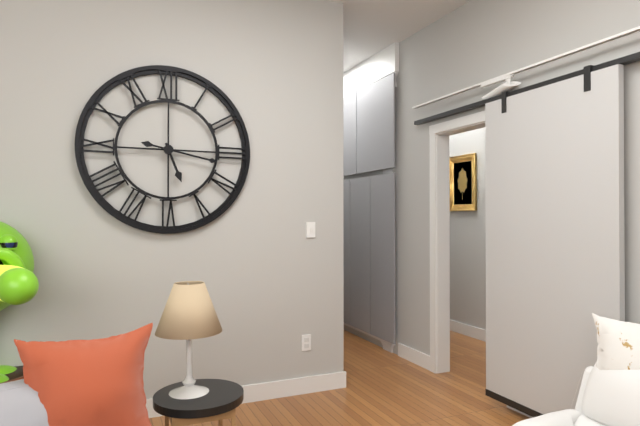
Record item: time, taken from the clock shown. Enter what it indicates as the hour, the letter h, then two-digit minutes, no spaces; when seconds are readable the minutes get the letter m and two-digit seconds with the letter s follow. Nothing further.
5h17
